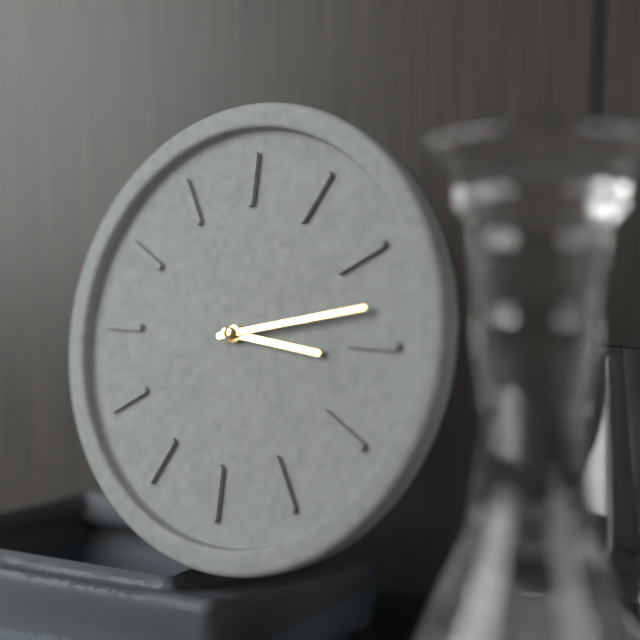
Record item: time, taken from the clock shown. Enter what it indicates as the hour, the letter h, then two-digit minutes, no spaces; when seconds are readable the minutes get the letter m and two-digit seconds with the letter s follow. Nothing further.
3h13
